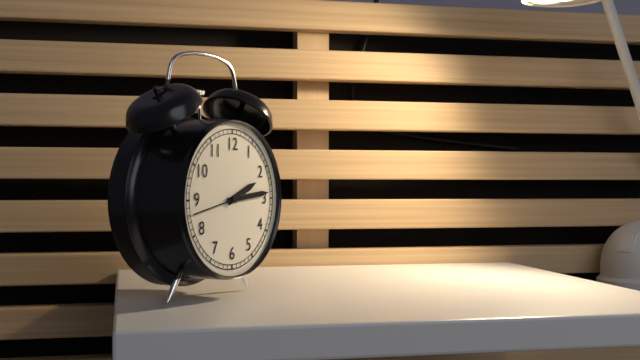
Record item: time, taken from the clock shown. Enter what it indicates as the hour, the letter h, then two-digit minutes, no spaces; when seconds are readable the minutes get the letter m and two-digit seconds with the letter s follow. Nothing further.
2h14m43s
